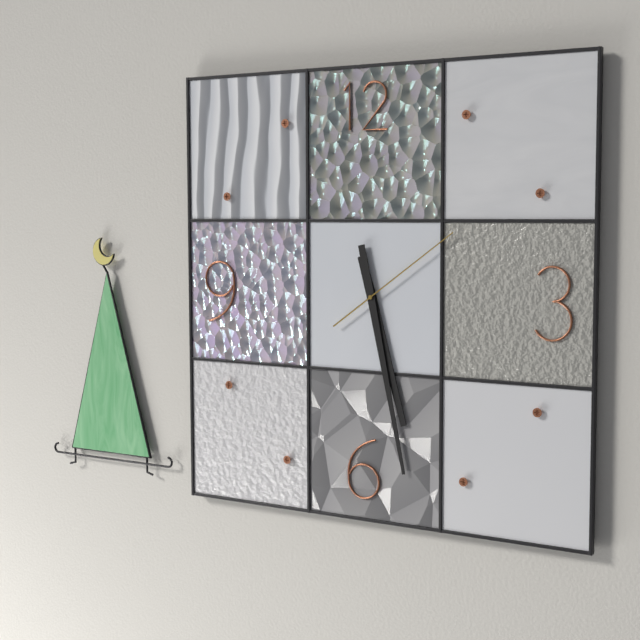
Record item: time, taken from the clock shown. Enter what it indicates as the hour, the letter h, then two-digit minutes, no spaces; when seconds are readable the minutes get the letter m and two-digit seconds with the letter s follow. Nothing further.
5h28m09s
